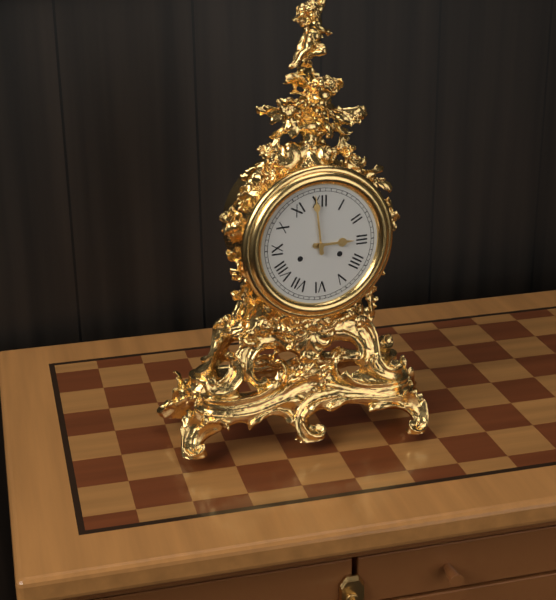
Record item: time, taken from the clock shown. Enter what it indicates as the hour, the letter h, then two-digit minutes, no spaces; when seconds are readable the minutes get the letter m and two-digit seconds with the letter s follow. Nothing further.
2h59
